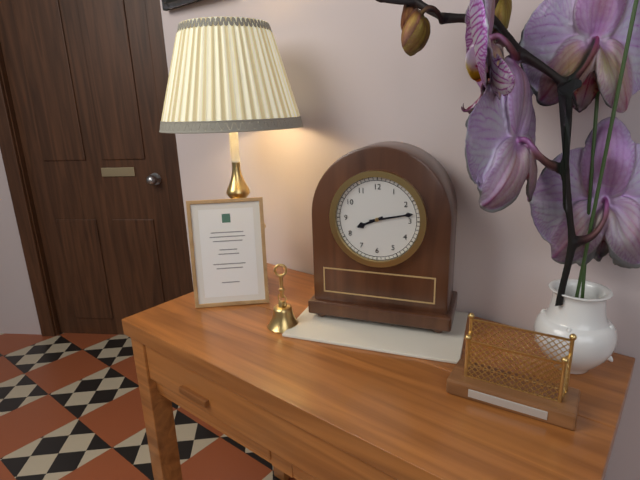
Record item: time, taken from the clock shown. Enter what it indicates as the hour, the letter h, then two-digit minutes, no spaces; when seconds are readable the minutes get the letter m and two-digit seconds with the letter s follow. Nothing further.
8h13
